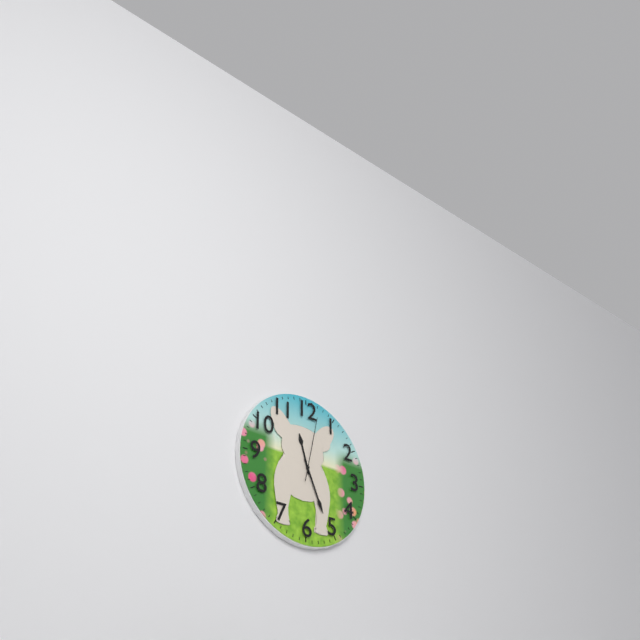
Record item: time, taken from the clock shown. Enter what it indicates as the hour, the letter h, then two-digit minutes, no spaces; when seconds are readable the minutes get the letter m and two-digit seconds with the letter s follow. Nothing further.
11h26m02s
